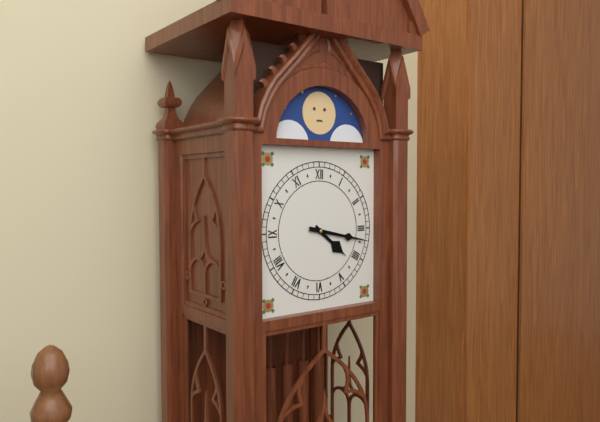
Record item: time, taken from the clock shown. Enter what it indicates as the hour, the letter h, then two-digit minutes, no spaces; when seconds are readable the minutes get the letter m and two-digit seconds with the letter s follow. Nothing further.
4h17
